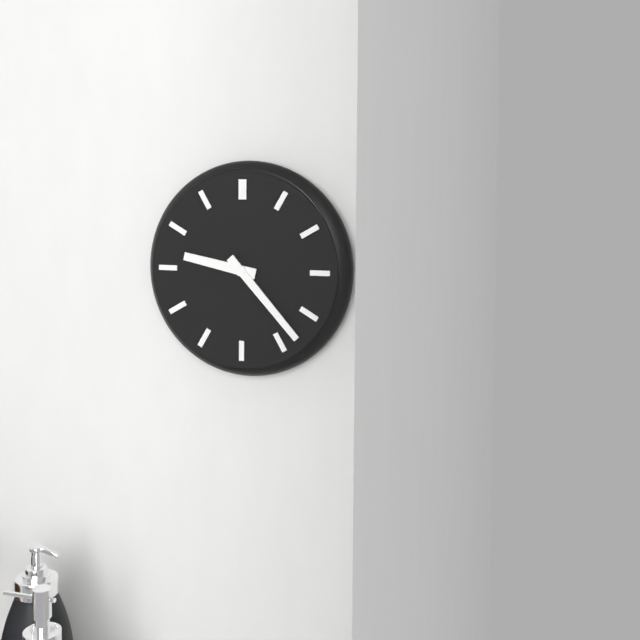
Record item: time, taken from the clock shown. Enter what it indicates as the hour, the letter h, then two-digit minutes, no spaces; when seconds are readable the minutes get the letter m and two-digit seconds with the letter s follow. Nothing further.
9h23
